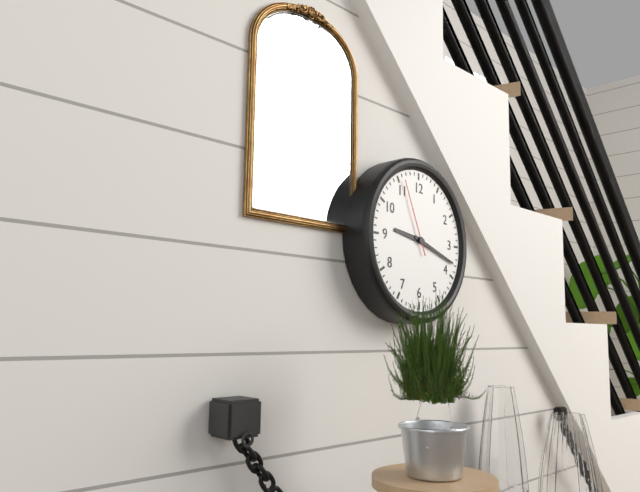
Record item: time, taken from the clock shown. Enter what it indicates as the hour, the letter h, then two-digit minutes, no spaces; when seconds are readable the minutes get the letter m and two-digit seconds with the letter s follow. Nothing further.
9h18m56s
